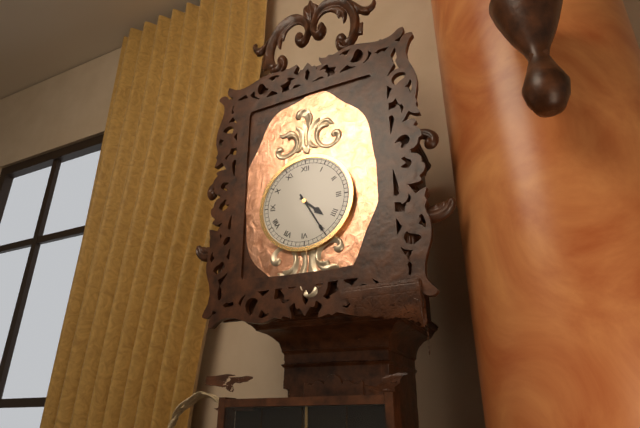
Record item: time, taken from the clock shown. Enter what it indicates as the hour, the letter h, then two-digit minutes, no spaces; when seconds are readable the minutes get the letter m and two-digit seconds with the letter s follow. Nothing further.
4h25
